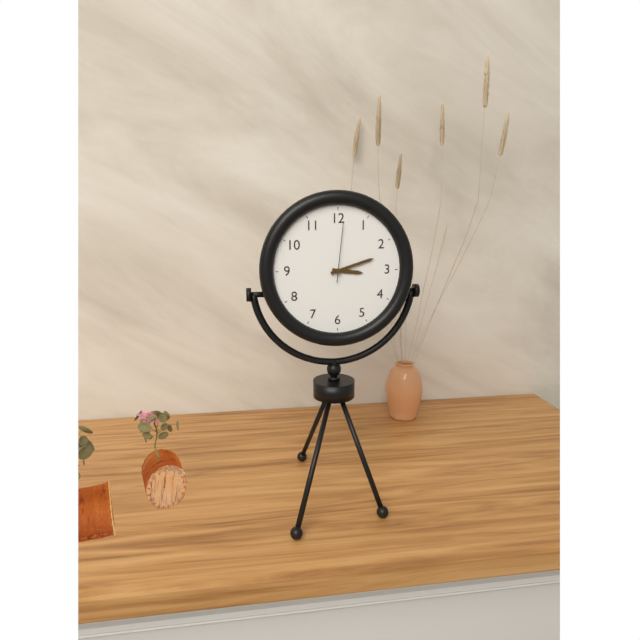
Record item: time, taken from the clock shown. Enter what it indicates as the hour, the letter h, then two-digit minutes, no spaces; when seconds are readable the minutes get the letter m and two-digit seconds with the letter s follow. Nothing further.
3h12m01s
